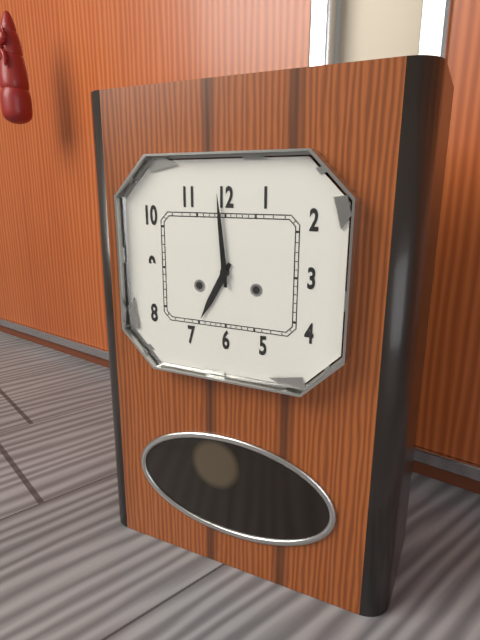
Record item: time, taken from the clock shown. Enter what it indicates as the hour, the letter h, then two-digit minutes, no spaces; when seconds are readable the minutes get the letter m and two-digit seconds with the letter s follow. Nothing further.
6h59
